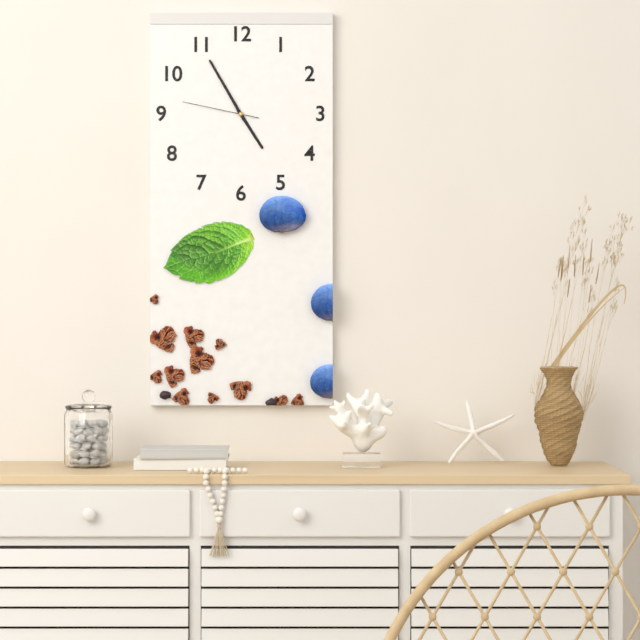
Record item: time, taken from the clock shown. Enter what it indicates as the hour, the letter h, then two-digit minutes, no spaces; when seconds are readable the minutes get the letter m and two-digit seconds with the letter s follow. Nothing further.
4h55m47s
